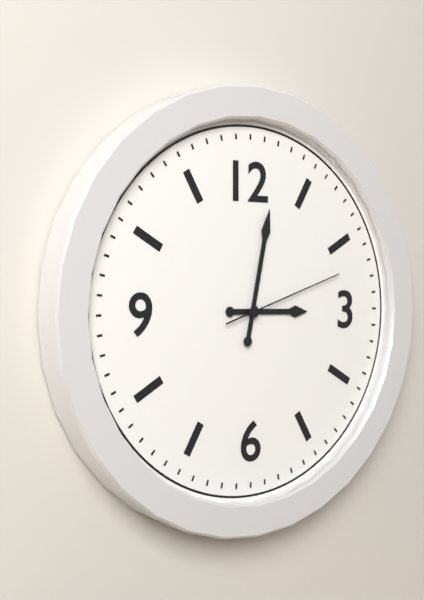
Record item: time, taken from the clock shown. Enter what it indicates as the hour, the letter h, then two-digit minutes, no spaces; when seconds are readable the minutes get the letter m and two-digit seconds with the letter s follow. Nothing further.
3h02m12s
